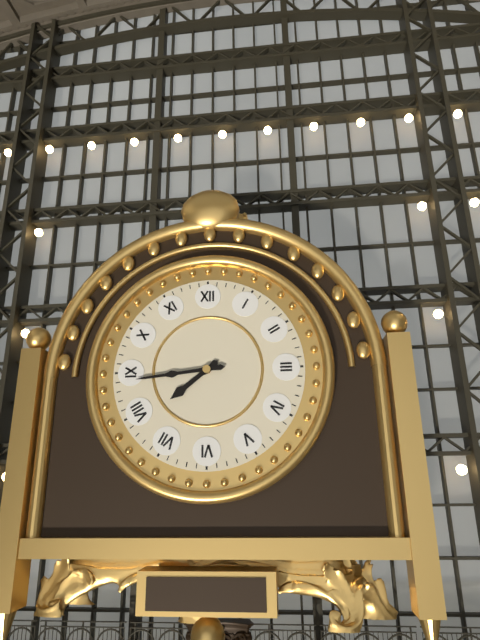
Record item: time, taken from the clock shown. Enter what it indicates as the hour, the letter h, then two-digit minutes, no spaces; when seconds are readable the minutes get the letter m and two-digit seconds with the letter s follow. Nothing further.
7h44
